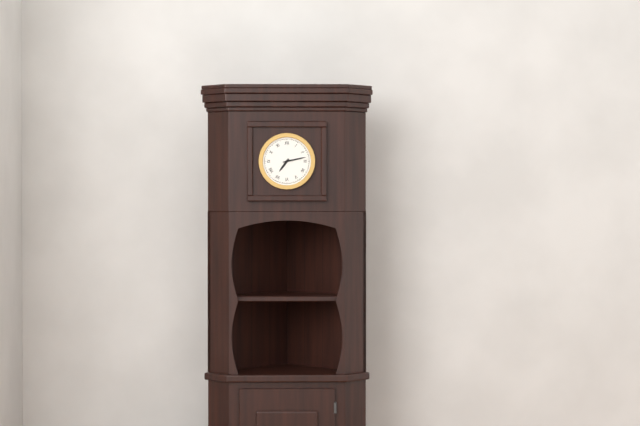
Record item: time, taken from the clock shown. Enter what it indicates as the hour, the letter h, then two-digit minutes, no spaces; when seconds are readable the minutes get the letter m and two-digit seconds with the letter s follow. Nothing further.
7h13
